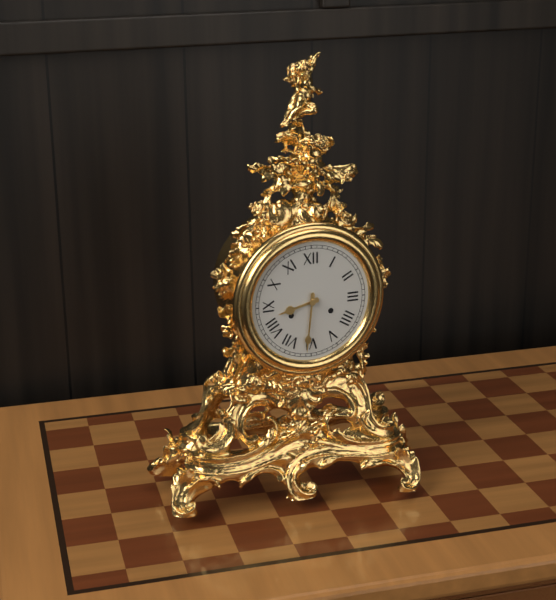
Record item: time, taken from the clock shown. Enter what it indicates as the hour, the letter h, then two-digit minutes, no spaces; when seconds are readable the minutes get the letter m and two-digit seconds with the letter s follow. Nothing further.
8h31
